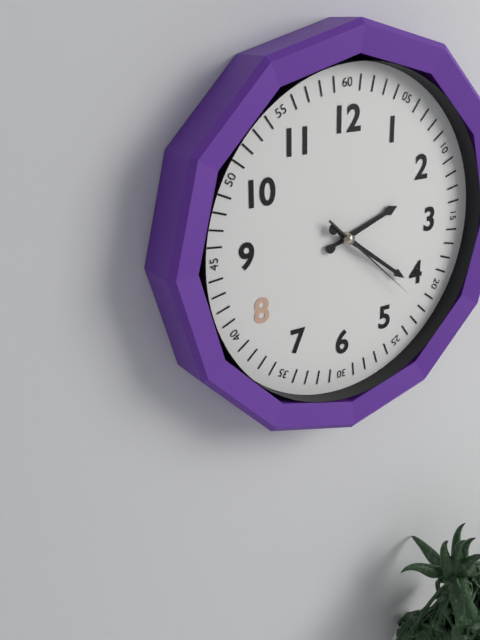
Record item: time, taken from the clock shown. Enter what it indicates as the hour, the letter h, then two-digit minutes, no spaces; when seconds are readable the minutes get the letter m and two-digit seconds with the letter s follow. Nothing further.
2h21m22s
